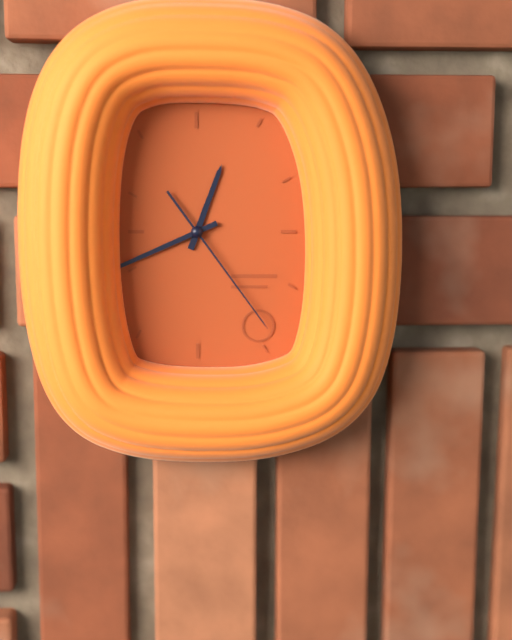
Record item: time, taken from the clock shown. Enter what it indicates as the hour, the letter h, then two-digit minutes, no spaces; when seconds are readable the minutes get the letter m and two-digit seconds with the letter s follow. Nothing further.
12h41m24s
